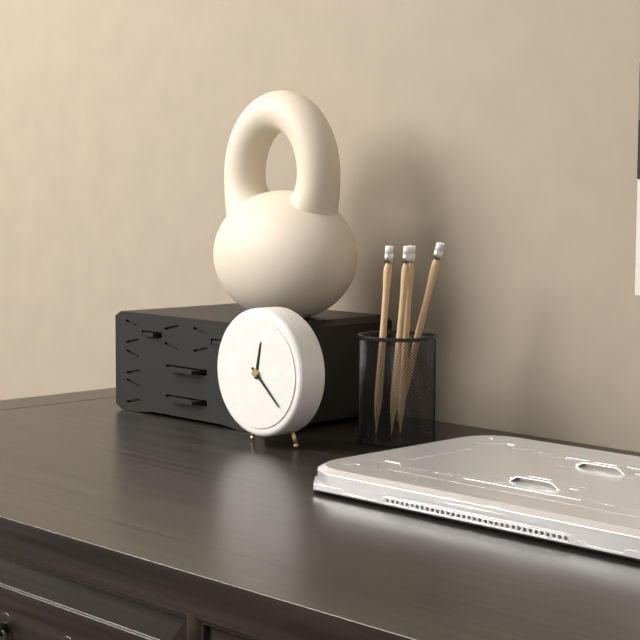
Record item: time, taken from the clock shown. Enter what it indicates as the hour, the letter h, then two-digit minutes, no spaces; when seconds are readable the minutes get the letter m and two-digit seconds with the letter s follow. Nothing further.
12h22
